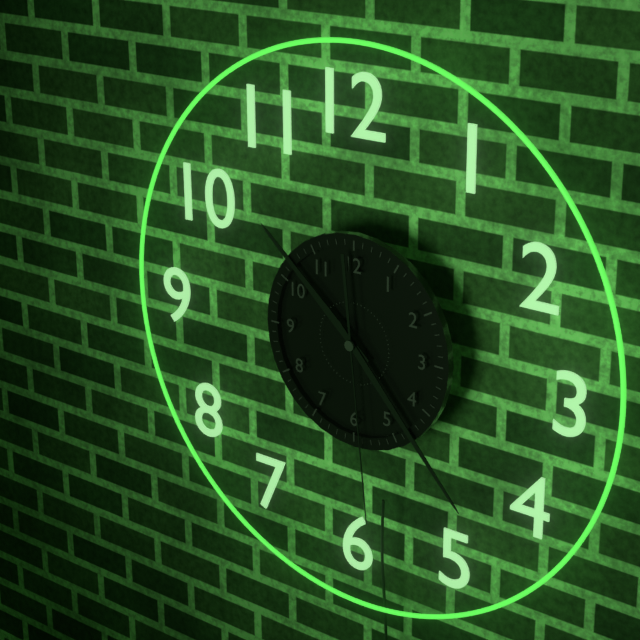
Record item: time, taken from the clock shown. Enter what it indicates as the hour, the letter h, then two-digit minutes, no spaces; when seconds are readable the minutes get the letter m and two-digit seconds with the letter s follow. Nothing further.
10h23m29s
